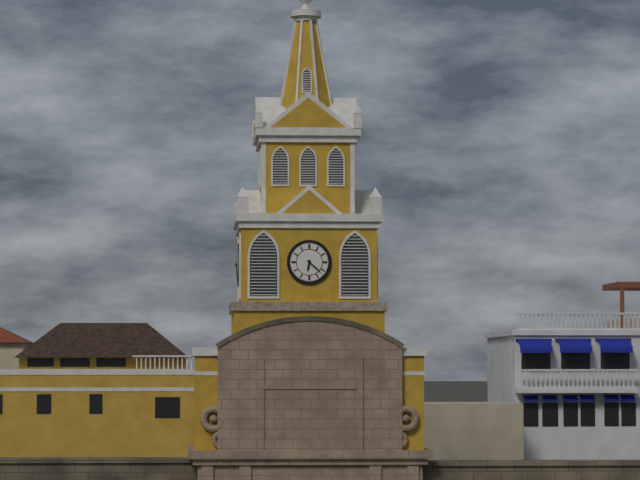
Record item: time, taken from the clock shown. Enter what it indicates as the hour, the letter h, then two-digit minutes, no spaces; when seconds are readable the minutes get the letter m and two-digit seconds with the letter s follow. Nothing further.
6h22
